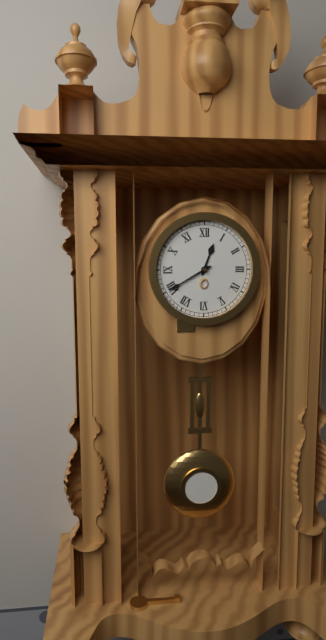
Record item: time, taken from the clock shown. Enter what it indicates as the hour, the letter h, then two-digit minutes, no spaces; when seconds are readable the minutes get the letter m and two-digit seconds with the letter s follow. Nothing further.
12h40
